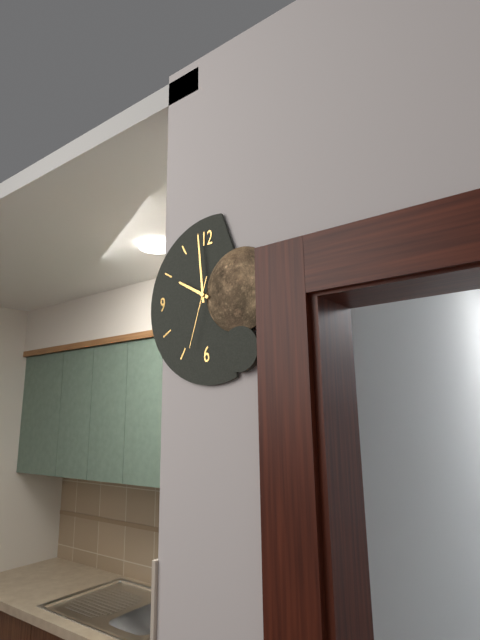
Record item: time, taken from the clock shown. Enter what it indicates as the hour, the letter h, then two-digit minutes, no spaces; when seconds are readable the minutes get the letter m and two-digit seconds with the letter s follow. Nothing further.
9h59m33s
